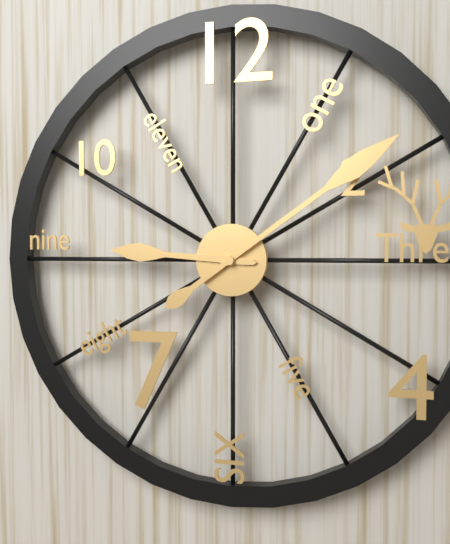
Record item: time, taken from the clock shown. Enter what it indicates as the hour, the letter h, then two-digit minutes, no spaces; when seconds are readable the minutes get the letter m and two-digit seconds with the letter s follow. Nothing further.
9h09
